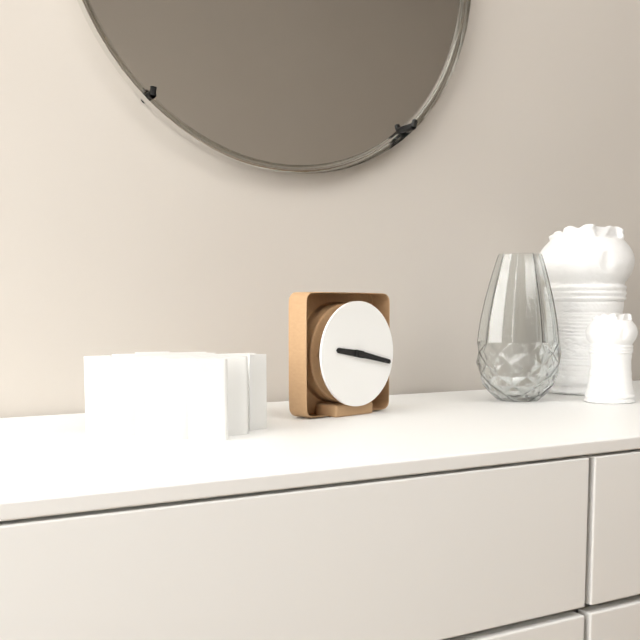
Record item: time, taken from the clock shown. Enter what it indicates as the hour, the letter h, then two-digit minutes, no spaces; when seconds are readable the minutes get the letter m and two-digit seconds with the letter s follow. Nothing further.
9h17
